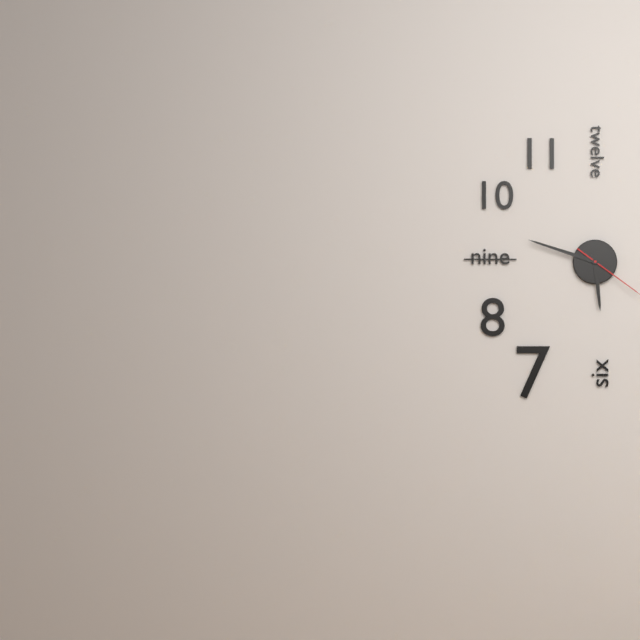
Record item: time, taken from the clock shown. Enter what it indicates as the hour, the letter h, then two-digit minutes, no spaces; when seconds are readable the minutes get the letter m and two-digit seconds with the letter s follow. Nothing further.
5h48
